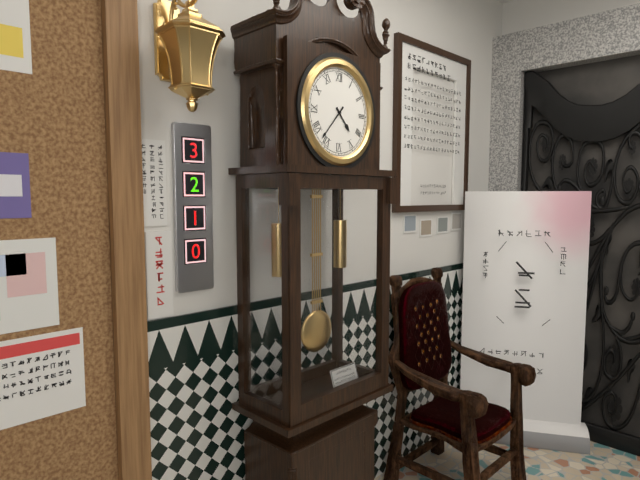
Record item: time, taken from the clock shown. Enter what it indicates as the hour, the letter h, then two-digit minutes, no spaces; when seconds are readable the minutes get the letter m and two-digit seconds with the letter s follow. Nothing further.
4h37
